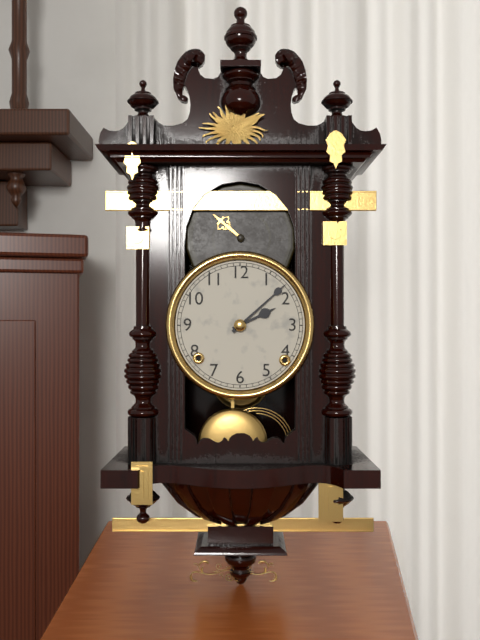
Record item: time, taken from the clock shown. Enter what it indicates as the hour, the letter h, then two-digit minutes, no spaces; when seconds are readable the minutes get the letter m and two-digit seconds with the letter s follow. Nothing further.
2h08
